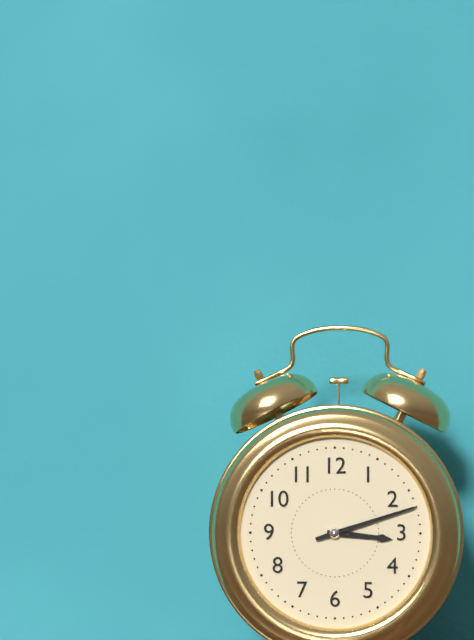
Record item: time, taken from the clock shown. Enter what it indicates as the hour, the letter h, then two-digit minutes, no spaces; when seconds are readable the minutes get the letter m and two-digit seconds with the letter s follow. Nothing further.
3h12
